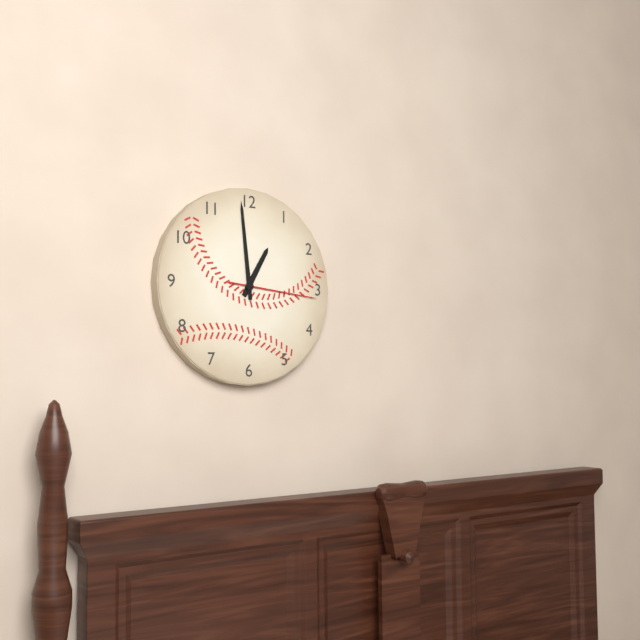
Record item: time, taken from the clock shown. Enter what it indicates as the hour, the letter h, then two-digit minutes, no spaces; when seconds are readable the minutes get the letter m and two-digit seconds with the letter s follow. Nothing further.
12h59m16s
